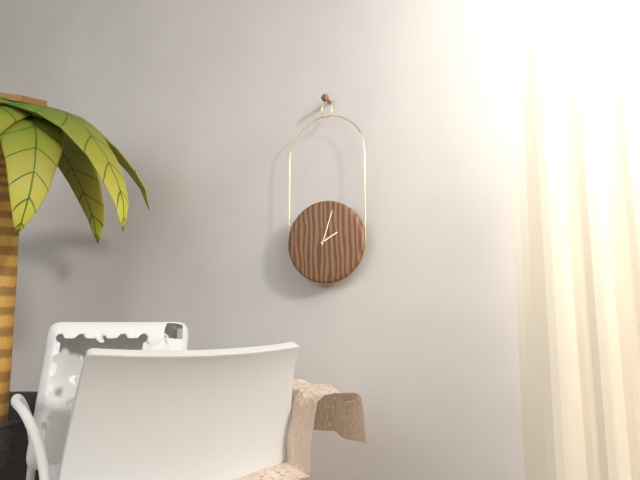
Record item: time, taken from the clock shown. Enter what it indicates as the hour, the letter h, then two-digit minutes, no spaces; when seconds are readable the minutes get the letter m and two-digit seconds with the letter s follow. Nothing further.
2h03
